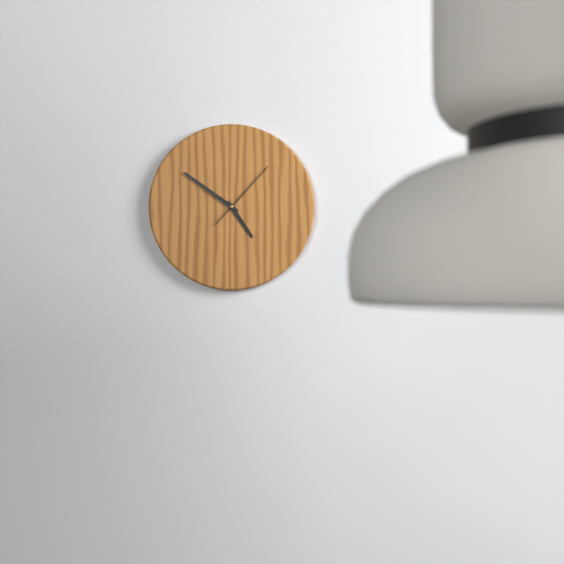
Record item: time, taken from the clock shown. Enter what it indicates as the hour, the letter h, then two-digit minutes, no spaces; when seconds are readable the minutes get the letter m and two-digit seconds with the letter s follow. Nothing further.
4h51m07s
